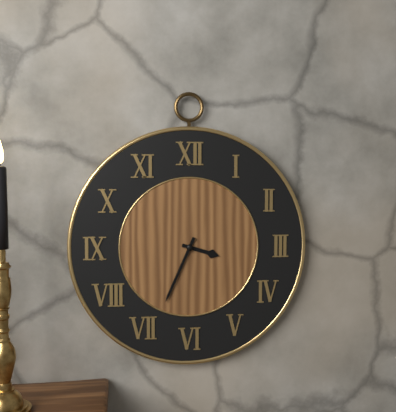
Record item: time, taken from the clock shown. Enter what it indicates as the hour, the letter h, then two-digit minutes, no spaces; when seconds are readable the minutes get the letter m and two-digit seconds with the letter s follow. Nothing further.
3h34
